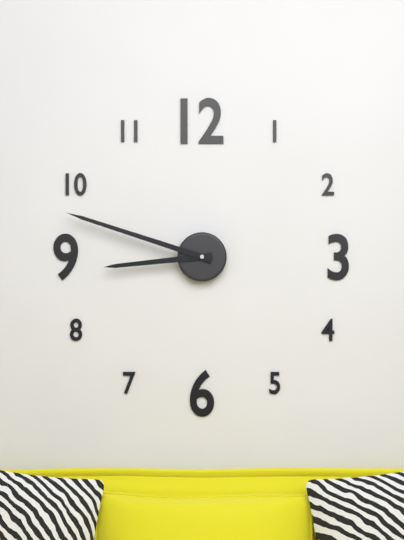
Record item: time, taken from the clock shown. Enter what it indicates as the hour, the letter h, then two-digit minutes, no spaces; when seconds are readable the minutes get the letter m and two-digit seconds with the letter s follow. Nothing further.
8h48
